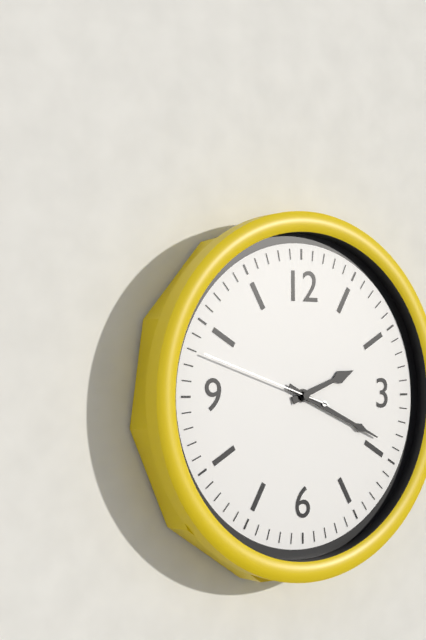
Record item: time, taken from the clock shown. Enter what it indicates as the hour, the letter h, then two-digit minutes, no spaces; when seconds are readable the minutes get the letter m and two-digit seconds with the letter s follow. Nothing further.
2h19m48s
